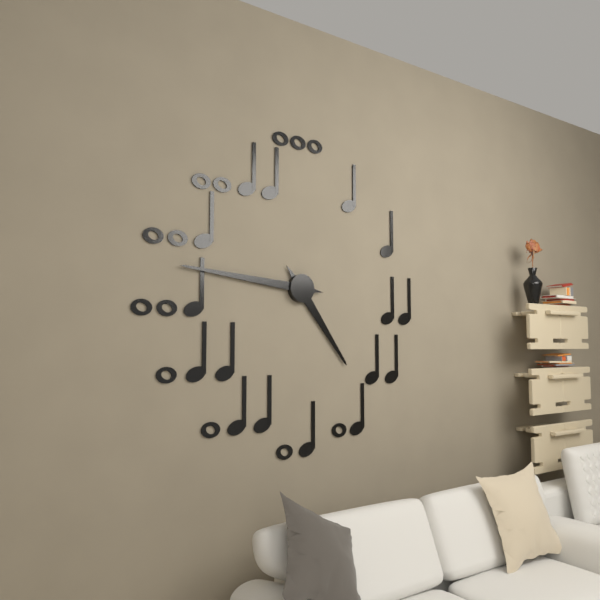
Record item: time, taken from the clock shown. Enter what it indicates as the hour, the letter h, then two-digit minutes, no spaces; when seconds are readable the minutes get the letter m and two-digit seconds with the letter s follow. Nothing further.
4h46
